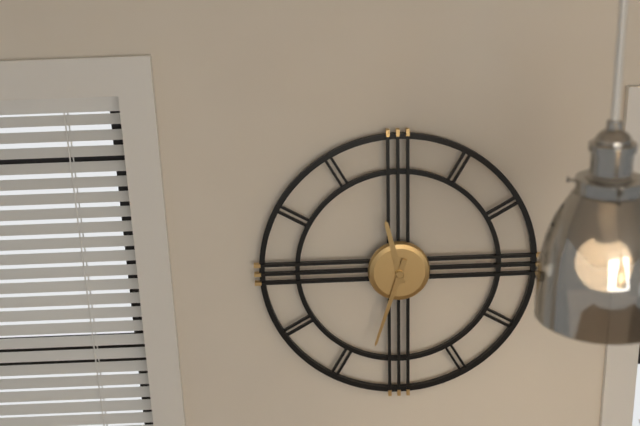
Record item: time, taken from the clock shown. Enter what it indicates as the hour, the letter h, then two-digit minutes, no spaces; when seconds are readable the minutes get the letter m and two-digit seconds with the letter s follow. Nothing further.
11h33
